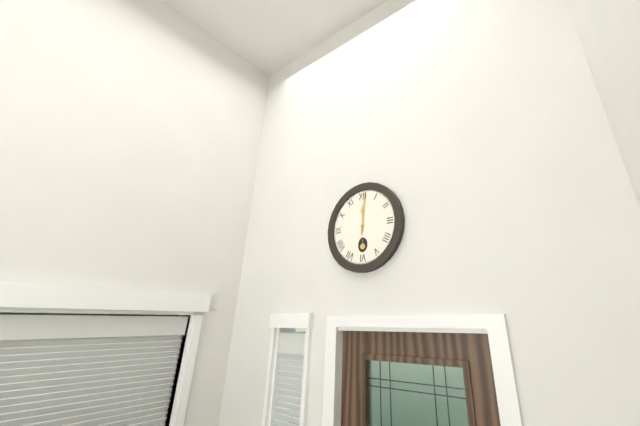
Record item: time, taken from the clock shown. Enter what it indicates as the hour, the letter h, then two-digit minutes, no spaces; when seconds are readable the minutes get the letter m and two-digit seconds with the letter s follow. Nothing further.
12h01
